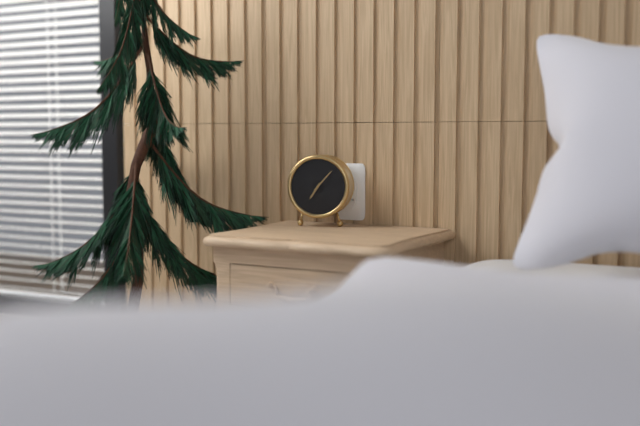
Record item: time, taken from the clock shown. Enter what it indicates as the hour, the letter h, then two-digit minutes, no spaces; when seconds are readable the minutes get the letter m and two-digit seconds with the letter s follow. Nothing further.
7h07
